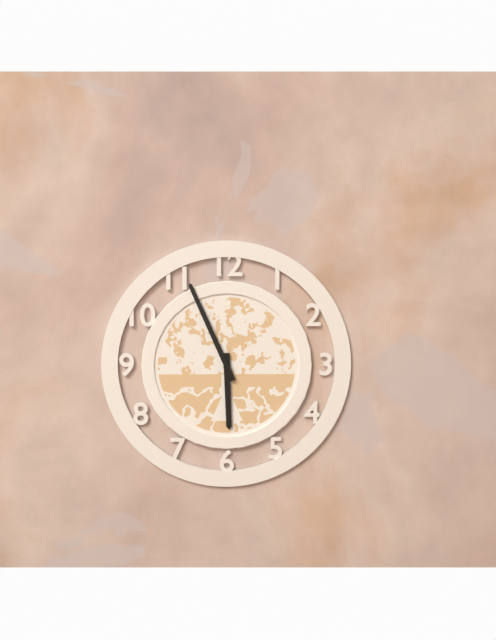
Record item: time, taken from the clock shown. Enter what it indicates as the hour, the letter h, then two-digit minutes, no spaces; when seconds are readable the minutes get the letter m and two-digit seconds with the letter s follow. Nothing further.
5h56
